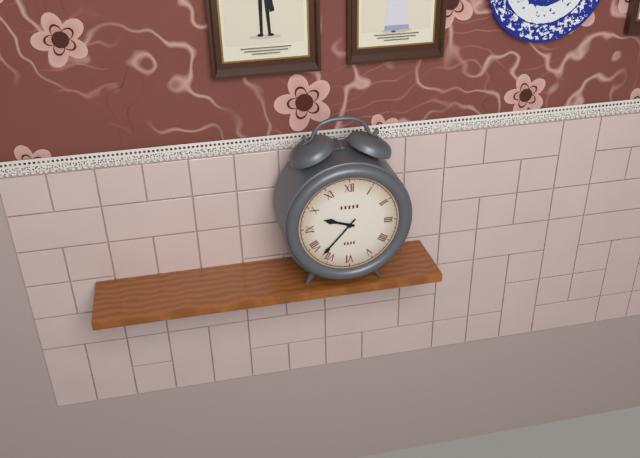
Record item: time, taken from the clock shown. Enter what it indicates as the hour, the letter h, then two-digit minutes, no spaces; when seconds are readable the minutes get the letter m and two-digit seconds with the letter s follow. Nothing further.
9h37
